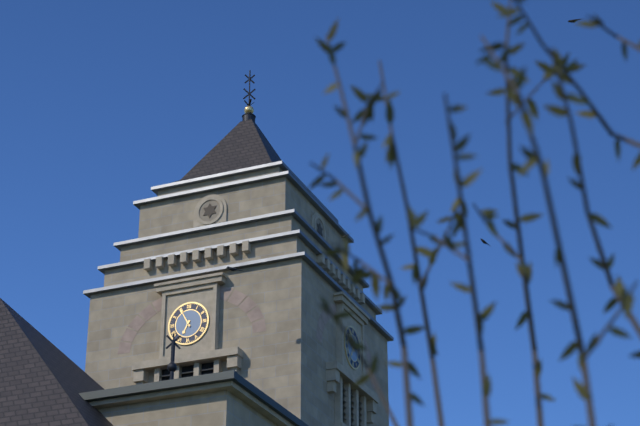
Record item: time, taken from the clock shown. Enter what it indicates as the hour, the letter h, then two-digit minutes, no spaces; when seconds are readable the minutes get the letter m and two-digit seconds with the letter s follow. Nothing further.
6h55
